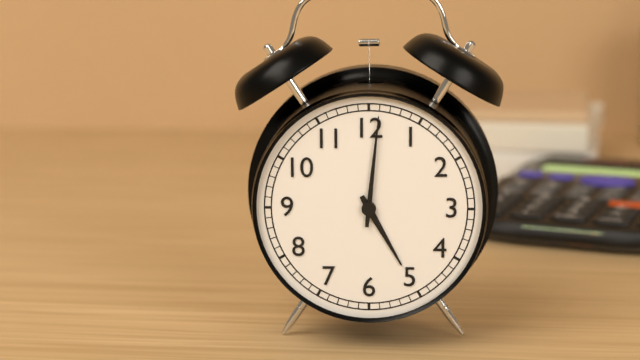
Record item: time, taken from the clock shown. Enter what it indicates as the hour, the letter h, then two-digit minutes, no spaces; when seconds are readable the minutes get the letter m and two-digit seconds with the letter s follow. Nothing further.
5h01
